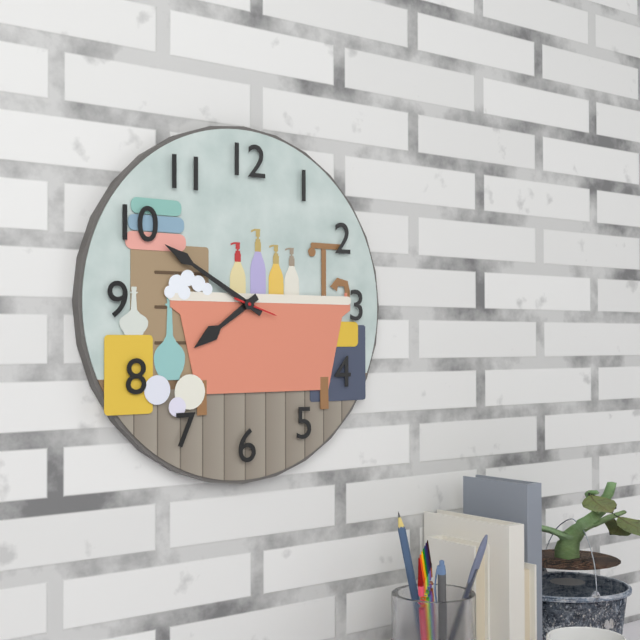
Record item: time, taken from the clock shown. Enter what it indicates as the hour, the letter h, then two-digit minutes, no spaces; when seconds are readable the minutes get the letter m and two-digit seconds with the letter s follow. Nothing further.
7h50
